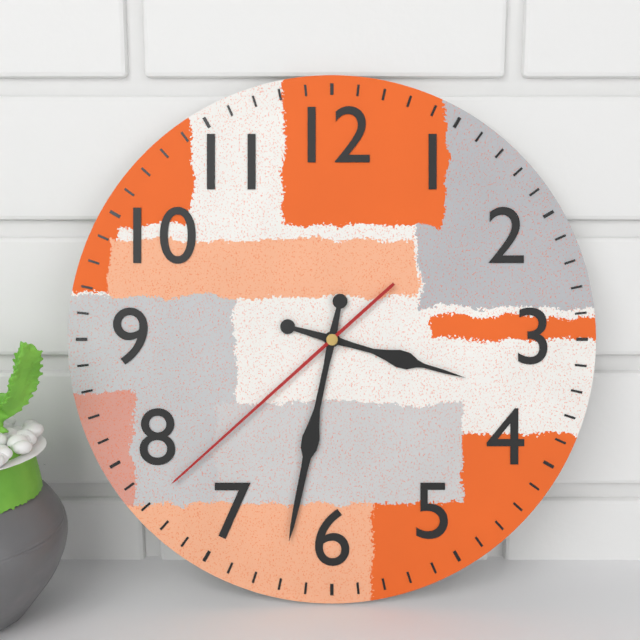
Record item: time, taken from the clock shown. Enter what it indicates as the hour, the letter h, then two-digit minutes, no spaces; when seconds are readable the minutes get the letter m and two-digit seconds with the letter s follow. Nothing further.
3h32m38s
